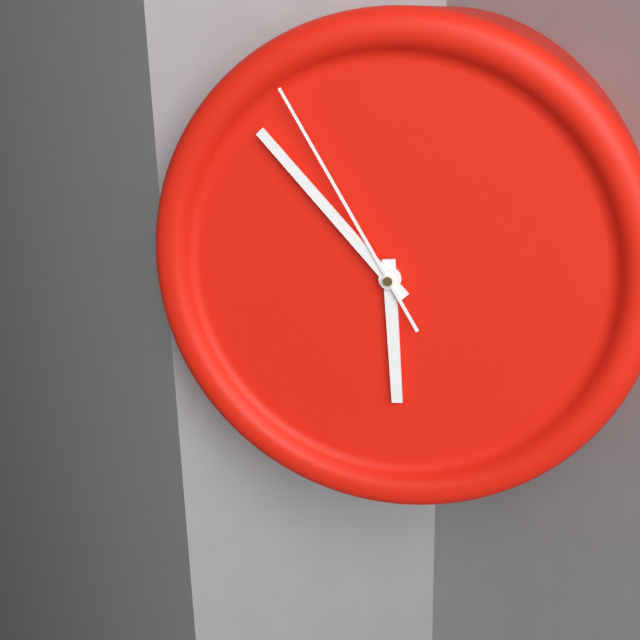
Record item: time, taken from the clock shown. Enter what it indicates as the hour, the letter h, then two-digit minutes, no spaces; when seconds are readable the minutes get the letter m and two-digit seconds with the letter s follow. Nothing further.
5h53m55s
